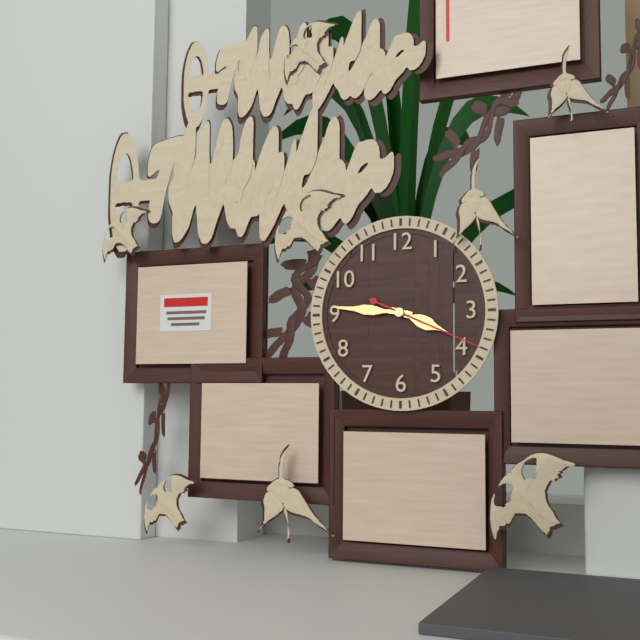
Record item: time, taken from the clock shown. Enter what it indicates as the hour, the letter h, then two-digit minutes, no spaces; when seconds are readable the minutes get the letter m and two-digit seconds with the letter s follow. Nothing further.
3h46m19s
